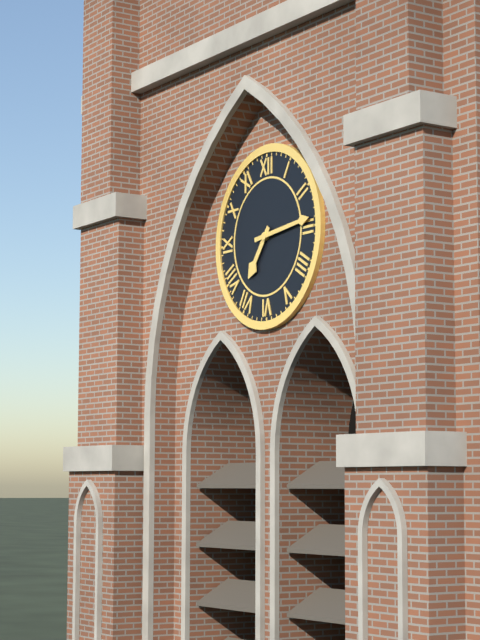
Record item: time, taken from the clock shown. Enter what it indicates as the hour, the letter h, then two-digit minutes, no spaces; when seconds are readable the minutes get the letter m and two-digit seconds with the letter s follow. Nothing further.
7h14
